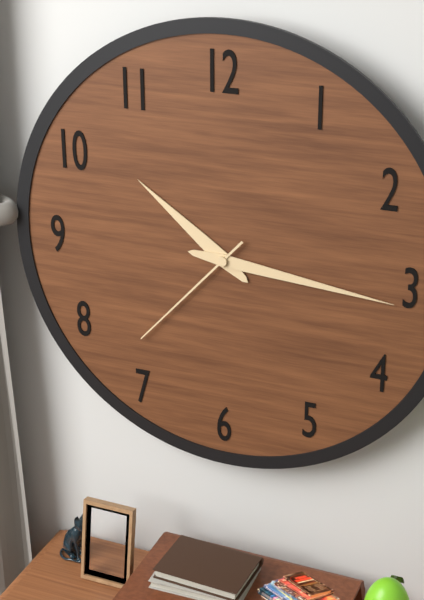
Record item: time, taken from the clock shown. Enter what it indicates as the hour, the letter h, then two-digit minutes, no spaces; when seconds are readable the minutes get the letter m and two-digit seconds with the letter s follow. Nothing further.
10h16m37s
